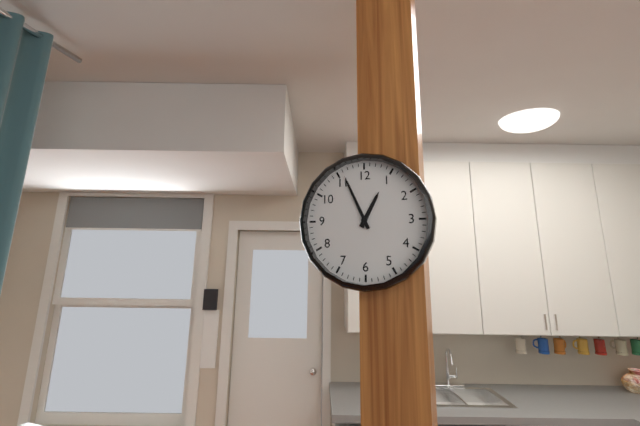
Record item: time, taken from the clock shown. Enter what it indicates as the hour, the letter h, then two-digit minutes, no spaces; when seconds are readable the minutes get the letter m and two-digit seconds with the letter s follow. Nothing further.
12h56
